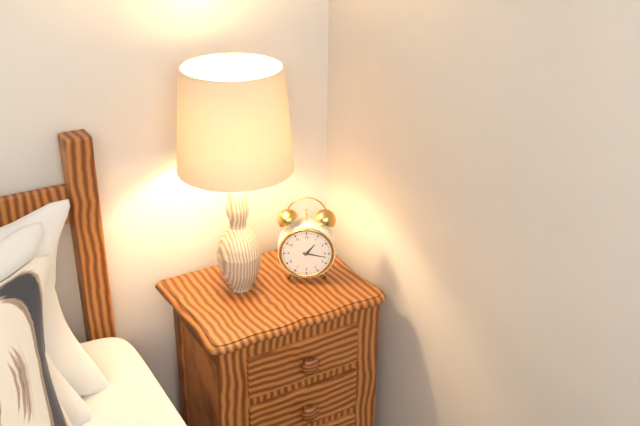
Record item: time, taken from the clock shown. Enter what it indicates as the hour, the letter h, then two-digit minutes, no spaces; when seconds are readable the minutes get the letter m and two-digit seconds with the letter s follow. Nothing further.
1h17
